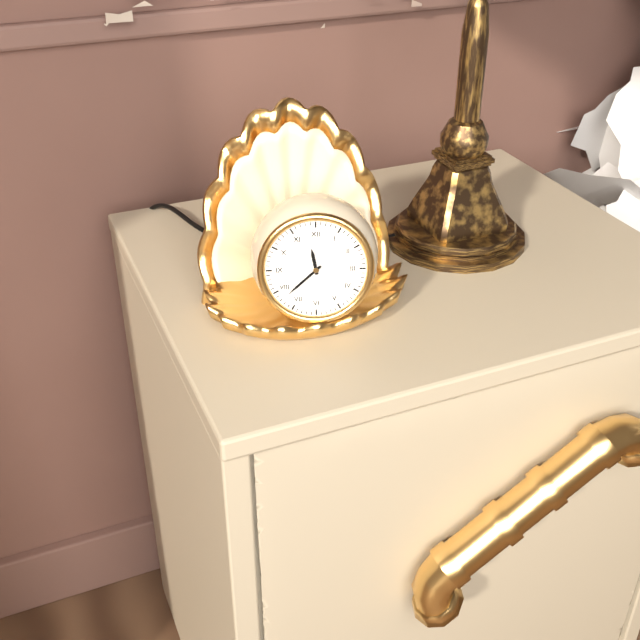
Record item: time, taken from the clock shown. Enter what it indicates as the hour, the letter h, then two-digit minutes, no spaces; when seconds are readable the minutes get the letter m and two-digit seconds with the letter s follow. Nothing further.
11h38
